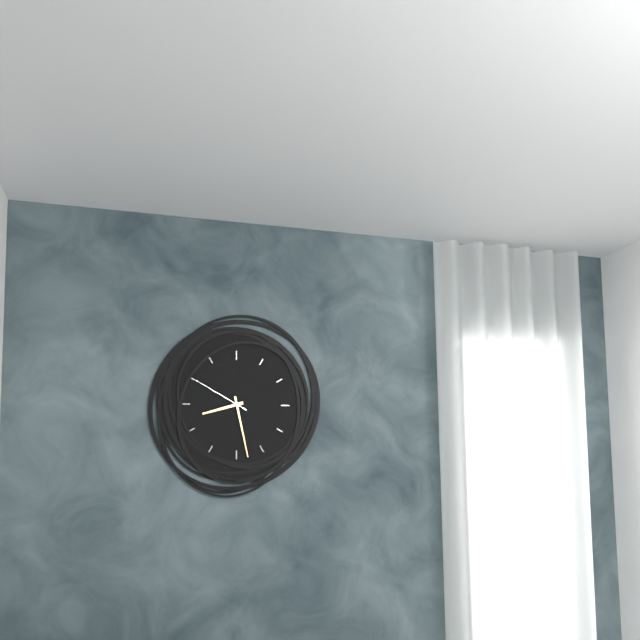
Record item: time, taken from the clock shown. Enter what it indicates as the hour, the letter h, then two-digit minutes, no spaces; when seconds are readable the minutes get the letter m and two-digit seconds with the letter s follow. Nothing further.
8h28m50s
